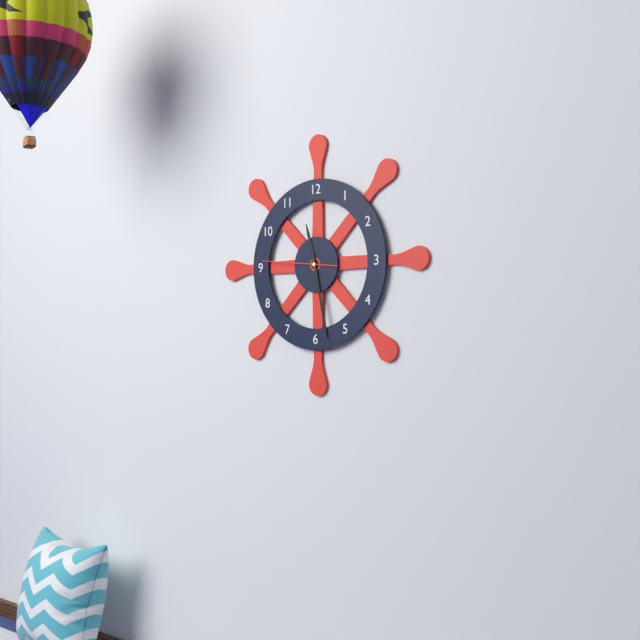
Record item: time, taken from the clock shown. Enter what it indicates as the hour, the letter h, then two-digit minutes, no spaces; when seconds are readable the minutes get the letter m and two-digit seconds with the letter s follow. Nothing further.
11h28m46s
